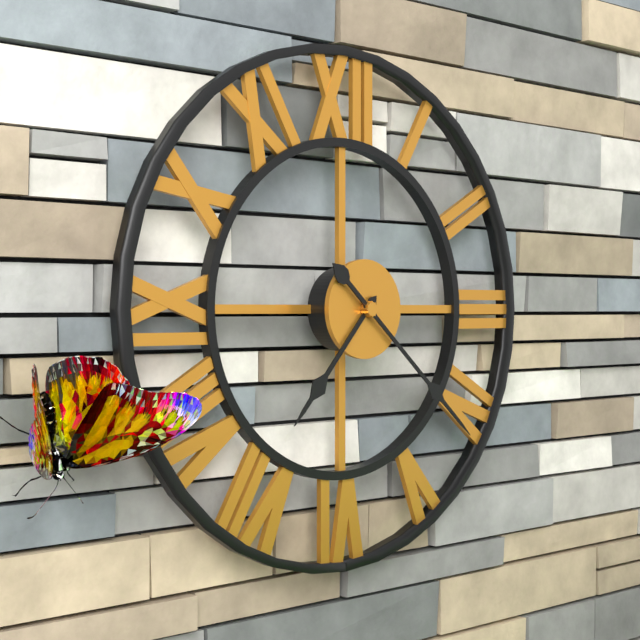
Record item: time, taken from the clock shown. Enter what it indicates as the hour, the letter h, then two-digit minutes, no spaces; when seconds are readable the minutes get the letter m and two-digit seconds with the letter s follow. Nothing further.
7h22
